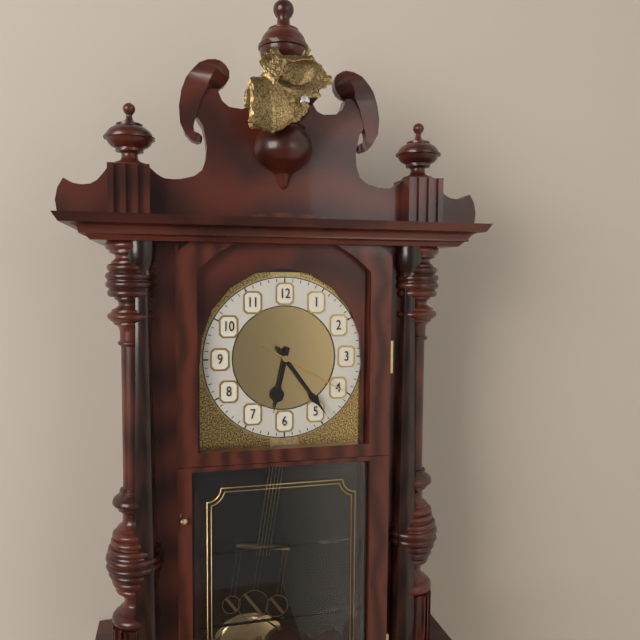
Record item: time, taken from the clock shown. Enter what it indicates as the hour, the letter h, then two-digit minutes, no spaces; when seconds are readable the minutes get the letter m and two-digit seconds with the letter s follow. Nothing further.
6h24m20s
